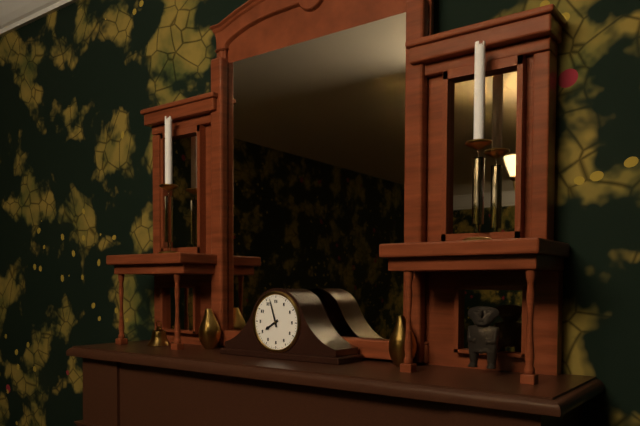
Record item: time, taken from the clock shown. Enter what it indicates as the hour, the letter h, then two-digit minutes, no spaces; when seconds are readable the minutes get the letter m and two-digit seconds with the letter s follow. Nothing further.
7h57
